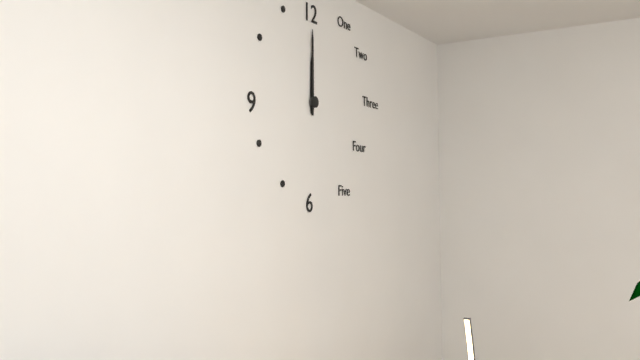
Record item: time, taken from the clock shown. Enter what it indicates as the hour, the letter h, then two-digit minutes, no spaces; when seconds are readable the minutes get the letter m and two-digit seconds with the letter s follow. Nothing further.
12h00
